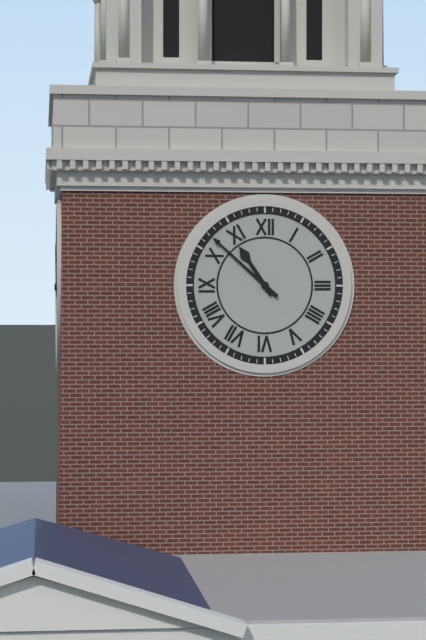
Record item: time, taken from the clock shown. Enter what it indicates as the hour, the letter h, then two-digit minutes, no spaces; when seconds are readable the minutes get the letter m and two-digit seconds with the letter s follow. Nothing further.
10h52
